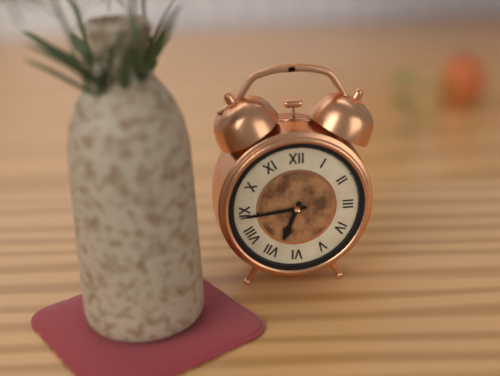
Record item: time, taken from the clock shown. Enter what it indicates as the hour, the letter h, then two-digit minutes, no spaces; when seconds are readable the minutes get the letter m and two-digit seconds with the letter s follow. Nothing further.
6h44
